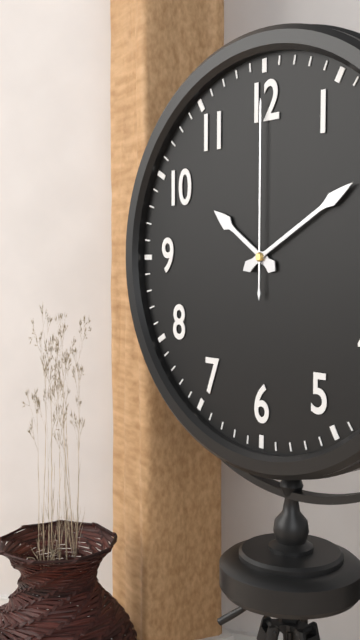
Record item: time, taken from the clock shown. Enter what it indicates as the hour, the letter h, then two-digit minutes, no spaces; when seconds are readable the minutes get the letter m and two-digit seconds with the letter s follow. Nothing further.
10h10m00s
